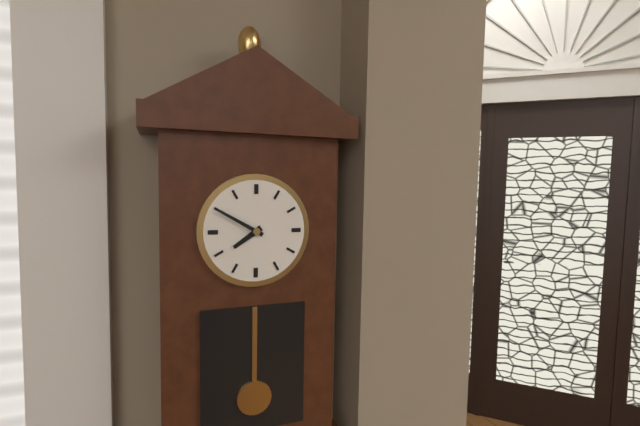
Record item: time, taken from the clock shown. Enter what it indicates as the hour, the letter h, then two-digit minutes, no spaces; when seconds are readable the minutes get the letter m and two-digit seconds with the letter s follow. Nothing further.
7h50
